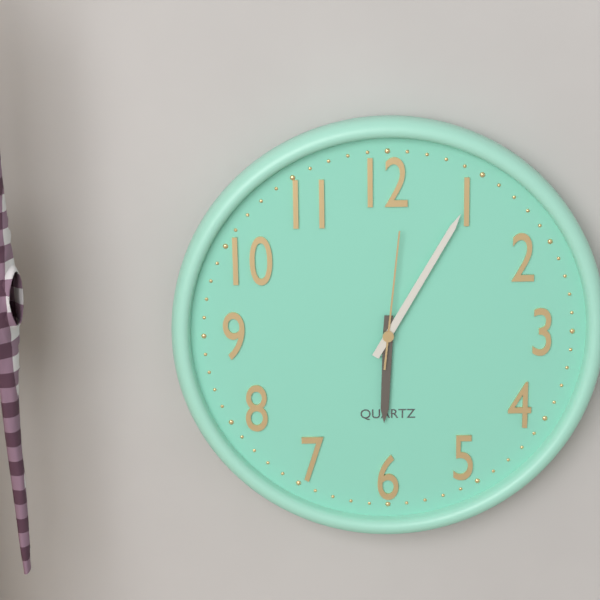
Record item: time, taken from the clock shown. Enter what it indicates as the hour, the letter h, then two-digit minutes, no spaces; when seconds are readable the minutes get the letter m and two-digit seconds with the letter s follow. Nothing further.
6h05m01s
